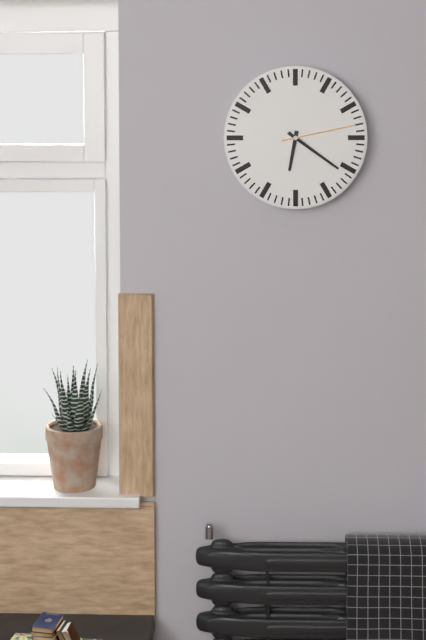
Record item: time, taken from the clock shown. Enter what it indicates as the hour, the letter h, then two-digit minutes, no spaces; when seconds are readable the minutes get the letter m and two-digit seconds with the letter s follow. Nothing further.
6h21m13s
